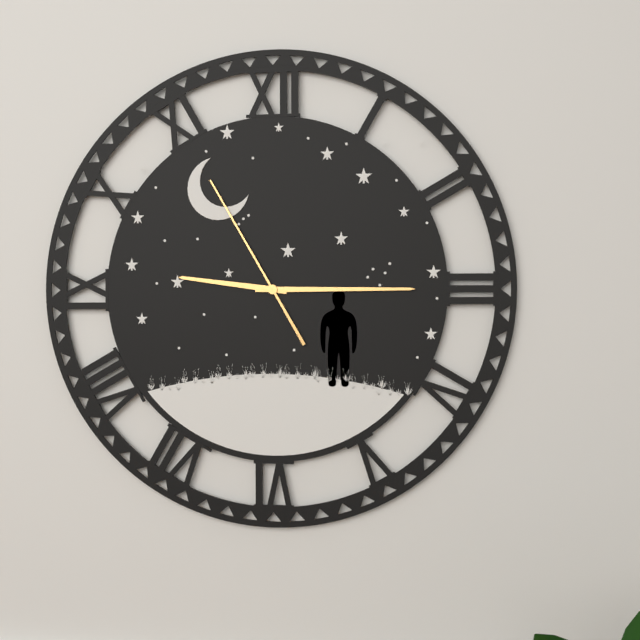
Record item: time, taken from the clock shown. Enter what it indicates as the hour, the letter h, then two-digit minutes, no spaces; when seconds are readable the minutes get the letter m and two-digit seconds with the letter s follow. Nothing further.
9h15m55s
